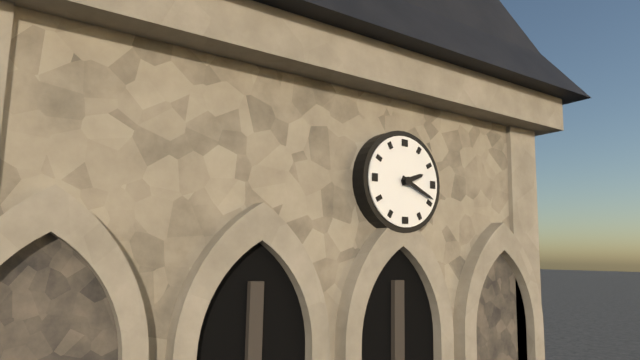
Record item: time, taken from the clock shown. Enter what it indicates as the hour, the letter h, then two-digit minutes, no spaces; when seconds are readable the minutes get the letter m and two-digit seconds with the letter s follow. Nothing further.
2h19
